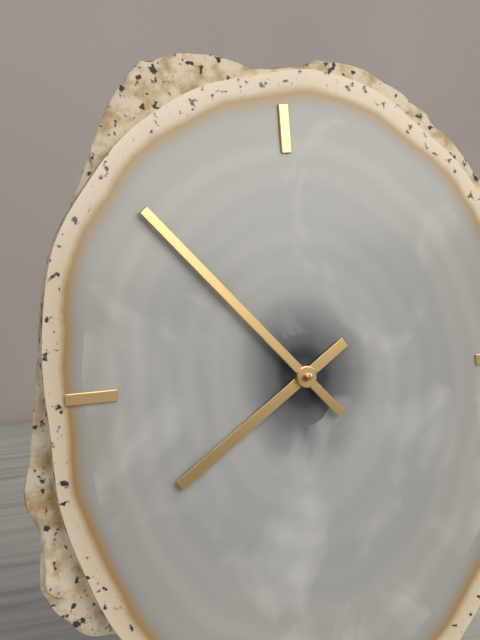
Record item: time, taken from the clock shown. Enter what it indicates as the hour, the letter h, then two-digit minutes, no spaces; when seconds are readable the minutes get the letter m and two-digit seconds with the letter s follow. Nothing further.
7h53
